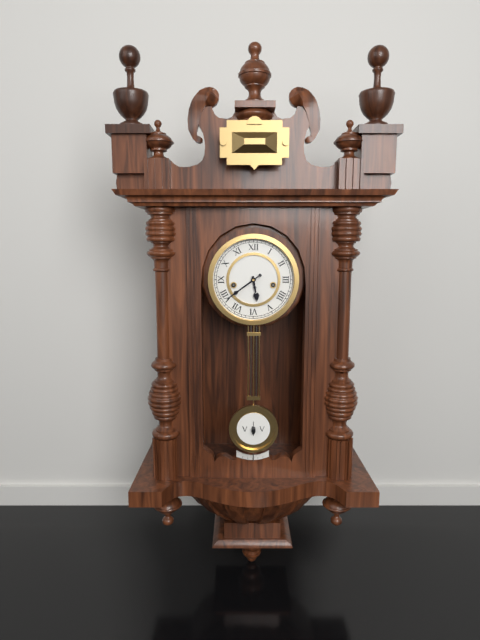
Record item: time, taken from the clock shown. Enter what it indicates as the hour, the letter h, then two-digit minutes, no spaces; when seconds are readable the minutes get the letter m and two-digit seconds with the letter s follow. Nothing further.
5h39
